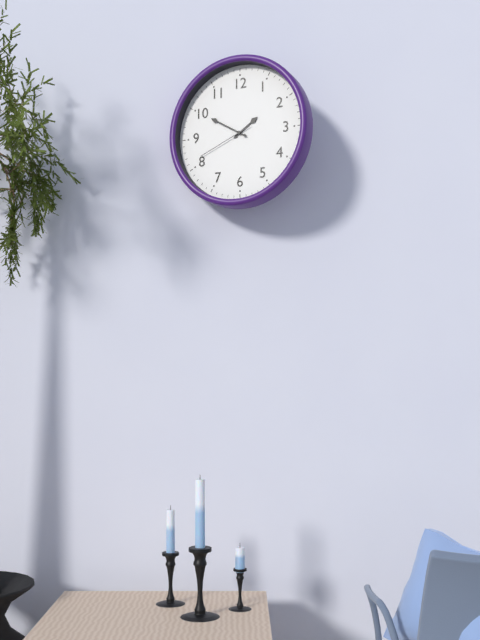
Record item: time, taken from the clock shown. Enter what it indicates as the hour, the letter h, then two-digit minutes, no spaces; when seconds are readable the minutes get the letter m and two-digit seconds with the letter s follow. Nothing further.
1h50m41s
